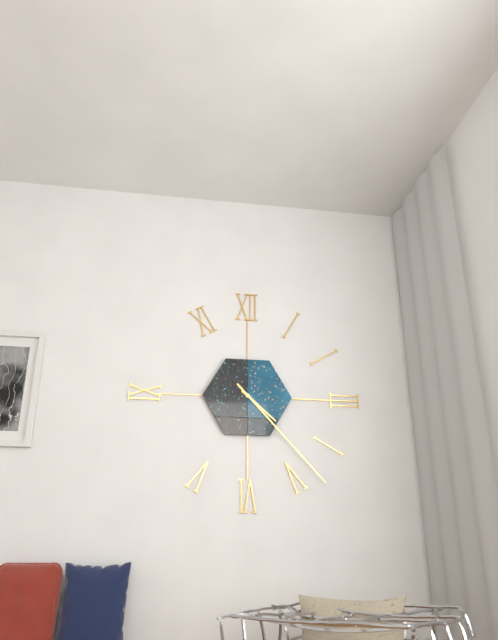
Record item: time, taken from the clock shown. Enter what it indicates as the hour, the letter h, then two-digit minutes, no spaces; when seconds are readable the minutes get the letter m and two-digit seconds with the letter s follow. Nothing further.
4h23
